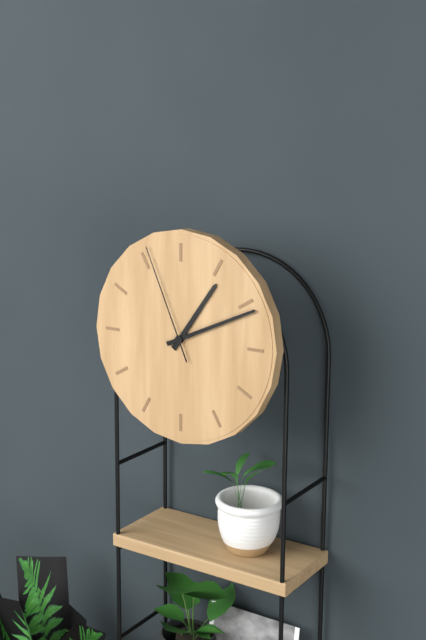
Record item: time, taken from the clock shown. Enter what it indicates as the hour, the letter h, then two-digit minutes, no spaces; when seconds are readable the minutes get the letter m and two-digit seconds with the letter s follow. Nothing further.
1h11m56s
